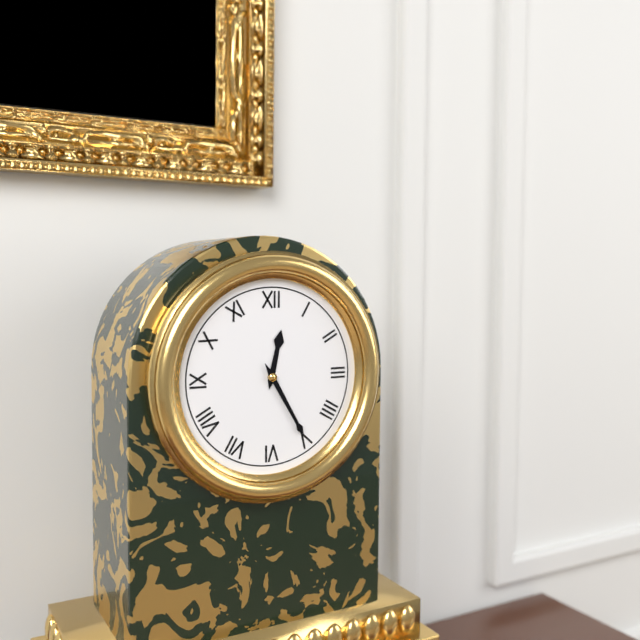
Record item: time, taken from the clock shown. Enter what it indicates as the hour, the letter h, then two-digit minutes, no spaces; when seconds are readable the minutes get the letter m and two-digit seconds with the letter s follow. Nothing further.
12h25
